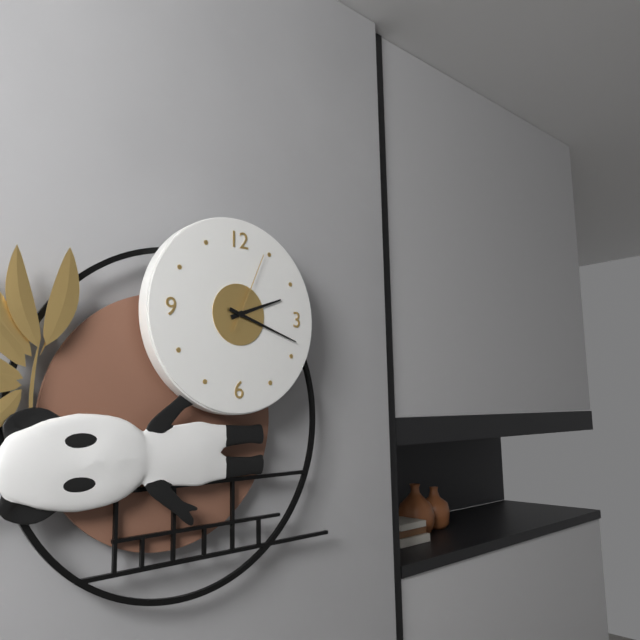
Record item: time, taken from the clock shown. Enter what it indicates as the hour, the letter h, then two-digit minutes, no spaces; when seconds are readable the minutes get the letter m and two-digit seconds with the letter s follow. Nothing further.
2h18m04s
